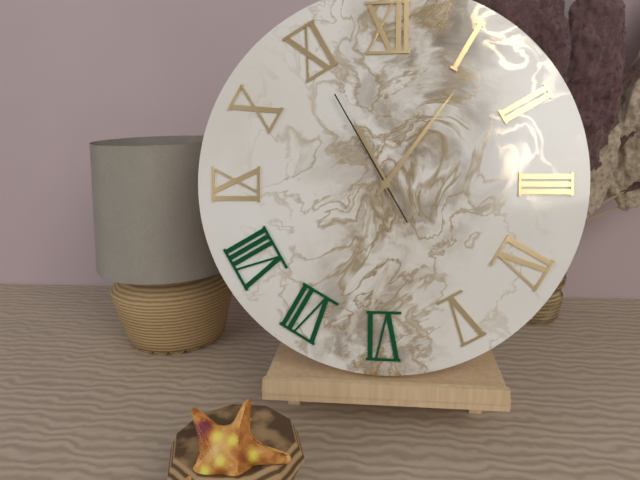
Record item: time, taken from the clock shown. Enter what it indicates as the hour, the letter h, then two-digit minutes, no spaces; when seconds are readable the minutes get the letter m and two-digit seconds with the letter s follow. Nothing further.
11h06m55s
